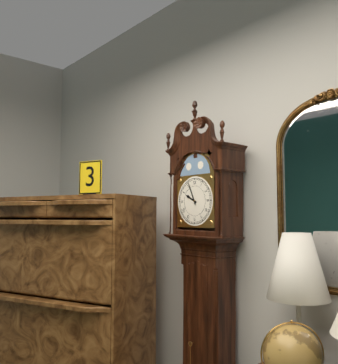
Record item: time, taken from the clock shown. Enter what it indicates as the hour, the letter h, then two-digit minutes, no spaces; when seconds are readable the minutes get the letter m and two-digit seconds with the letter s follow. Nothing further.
9h56
